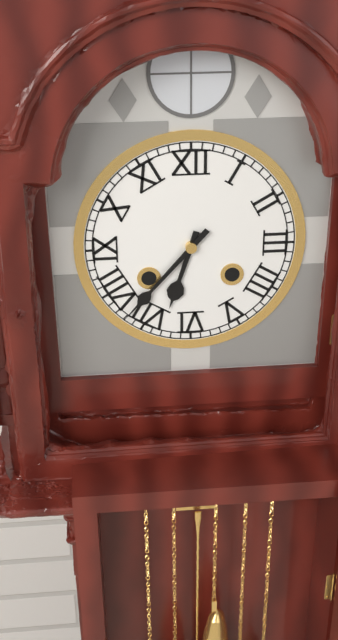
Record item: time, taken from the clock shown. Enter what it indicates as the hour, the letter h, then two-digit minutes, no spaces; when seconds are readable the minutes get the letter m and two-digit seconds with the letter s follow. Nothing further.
6h37
